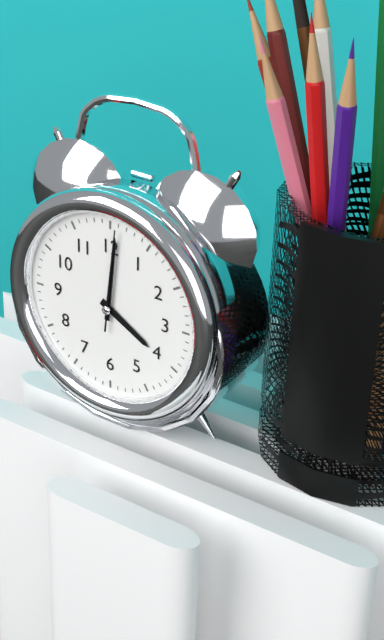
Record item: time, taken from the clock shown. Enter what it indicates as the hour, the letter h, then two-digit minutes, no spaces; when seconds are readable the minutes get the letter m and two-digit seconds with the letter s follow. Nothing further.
4h01m01s
